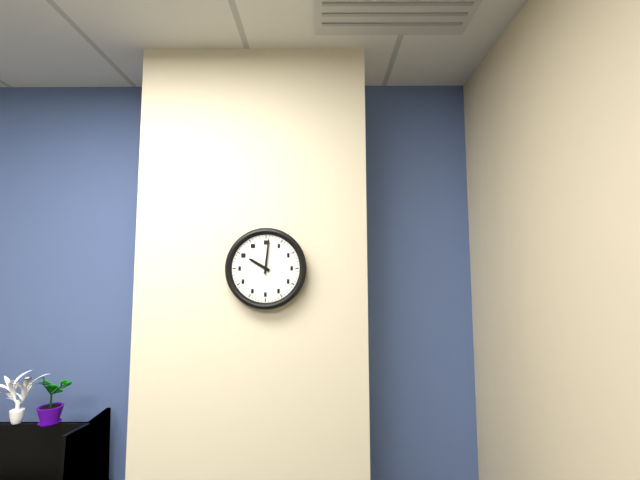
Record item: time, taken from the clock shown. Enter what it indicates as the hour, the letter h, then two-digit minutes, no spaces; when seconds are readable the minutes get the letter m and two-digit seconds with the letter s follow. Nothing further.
10h01
